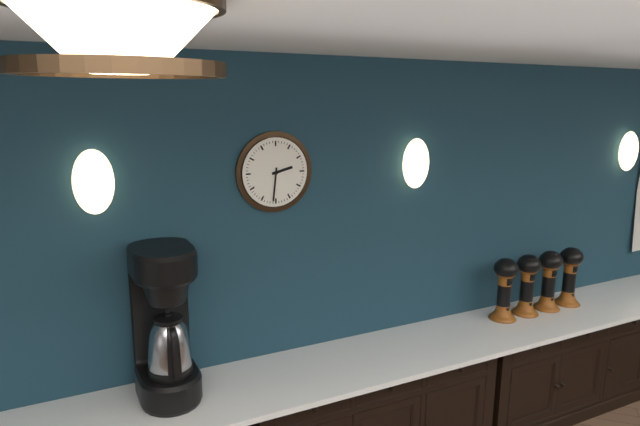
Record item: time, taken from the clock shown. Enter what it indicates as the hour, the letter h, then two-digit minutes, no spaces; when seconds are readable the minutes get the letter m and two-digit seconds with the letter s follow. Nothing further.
2h31
